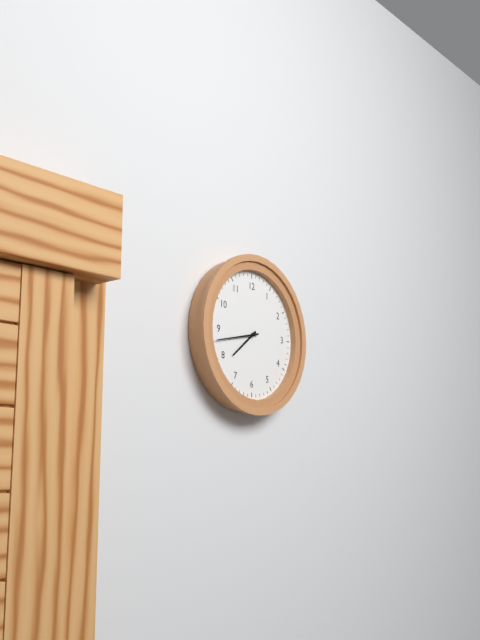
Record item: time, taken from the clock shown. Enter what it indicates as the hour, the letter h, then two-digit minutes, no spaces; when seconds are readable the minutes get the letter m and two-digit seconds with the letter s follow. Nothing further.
7h43
